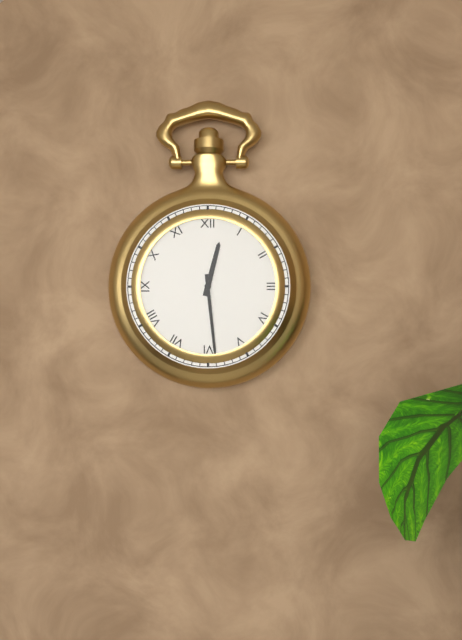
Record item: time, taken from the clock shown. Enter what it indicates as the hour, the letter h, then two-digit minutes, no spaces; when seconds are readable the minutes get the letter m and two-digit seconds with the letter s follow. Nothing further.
12h29
